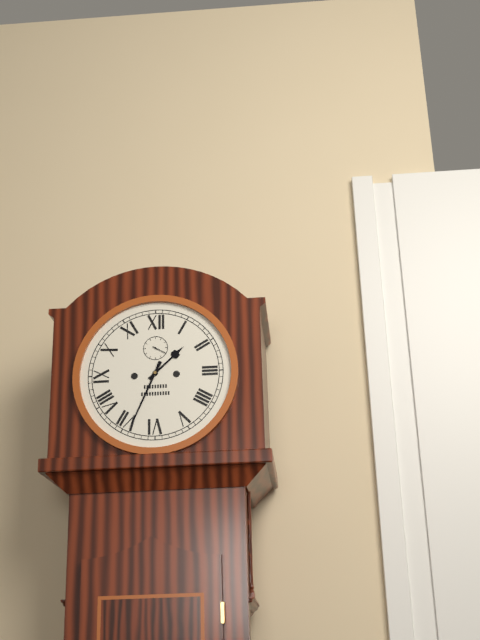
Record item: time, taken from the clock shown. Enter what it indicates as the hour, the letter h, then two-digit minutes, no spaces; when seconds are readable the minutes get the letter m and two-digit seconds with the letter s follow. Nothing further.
1h34
